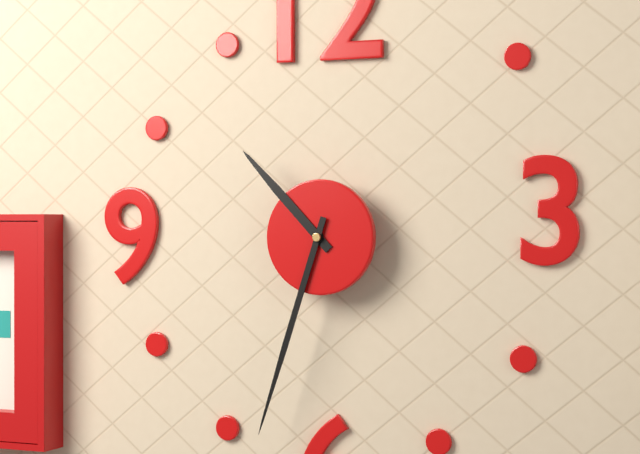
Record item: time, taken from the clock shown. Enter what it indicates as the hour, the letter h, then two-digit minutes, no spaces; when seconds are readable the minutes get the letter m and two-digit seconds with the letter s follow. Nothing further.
10h33
